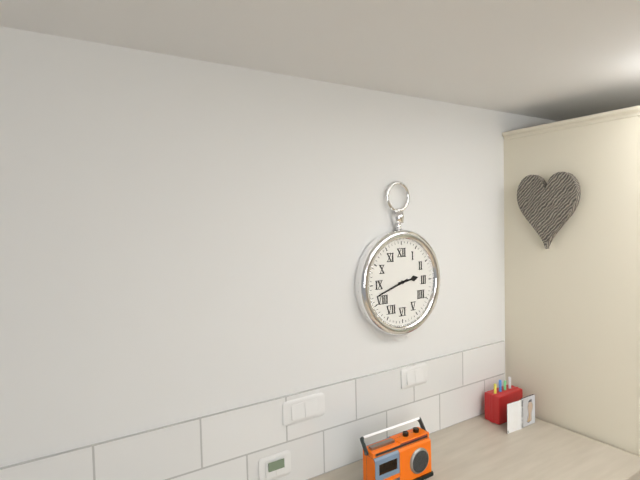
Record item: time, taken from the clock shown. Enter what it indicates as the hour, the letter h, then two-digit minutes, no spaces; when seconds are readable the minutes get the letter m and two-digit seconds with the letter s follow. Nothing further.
2h42
